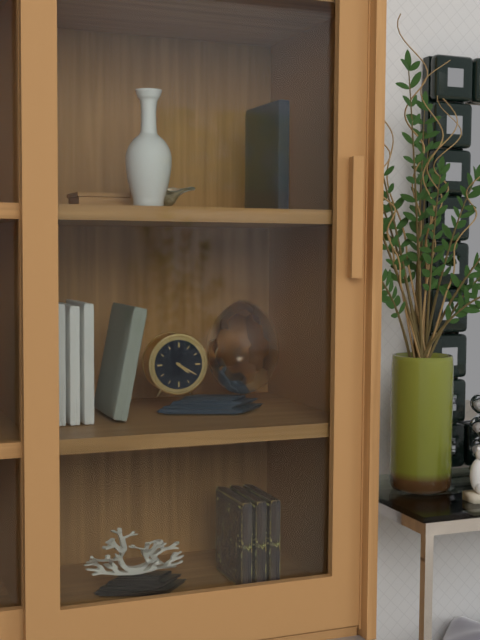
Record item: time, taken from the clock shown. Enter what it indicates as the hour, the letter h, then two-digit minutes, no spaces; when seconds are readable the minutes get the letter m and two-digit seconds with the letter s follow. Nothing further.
4h20
